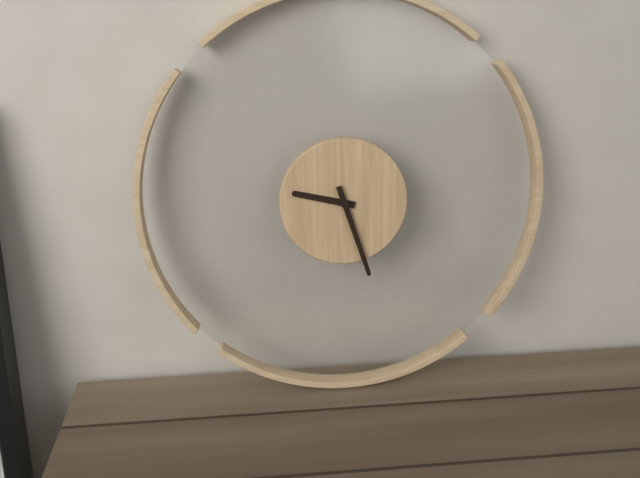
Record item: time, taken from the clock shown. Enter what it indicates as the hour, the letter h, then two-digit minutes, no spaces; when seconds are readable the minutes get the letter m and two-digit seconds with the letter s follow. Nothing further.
9h27
